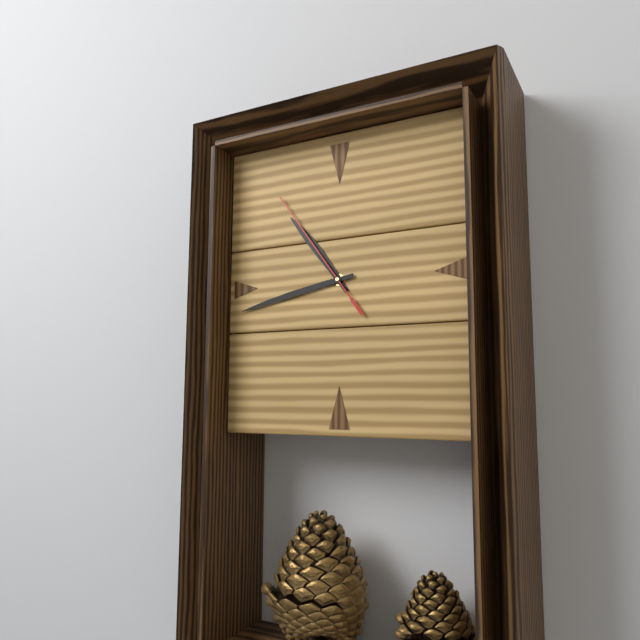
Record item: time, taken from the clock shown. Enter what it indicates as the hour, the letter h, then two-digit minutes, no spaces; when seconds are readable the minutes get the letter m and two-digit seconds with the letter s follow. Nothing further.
10h43m54s
